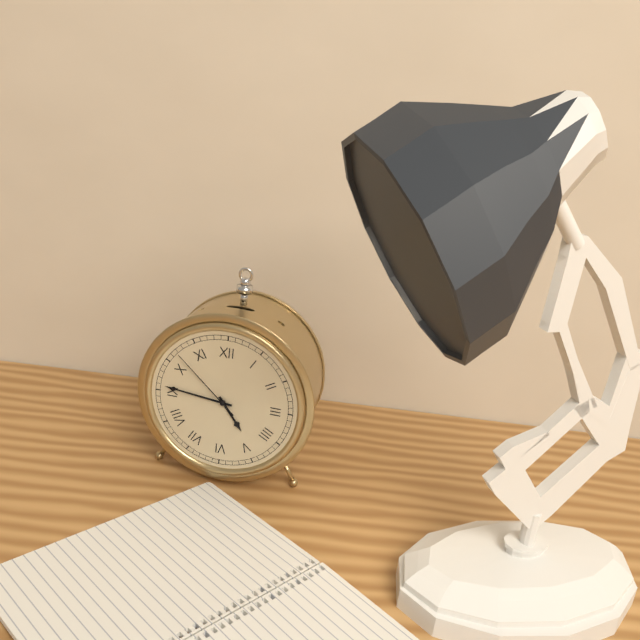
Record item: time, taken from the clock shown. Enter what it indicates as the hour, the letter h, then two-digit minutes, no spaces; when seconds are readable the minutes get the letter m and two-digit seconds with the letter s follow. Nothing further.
4h46m52s
